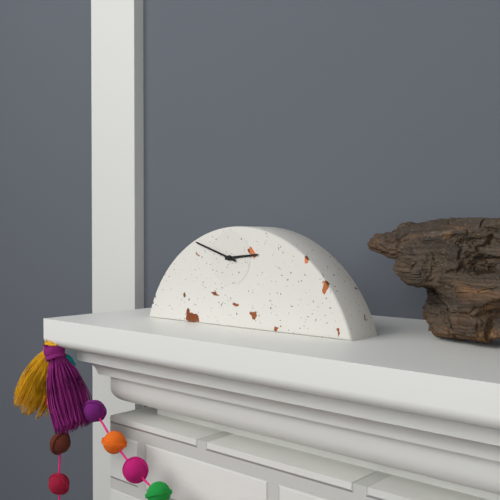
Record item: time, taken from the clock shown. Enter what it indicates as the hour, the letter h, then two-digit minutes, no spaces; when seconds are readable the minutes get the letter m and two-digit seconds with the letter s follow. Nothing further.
2h48
